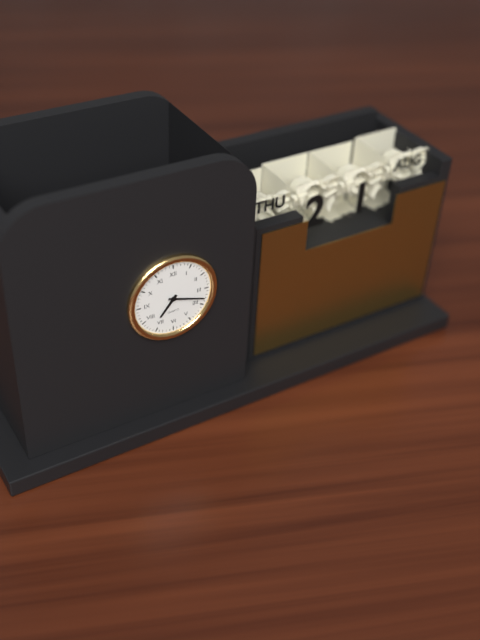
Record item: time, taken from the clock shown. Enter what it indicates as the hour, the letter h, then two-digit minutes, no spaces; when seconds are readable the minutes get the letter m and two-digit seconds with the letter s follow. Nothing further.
7h18
